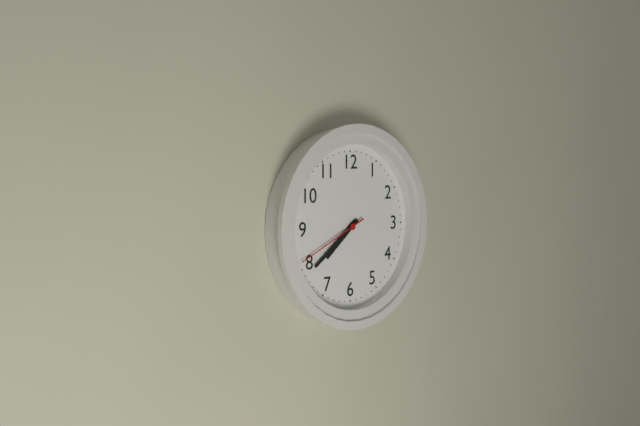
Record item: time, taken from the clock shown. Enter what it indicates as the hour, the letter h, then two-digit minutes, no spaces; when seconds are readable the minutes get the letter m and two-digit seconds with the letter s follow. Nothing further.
7h39m41s
